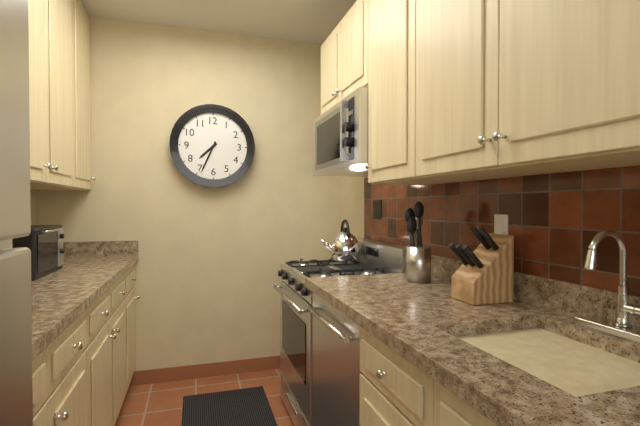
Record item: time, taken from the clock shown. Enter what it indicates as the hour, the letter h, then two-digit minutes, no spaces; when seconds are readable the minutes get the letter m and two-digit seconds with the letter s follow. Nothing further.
7h34
